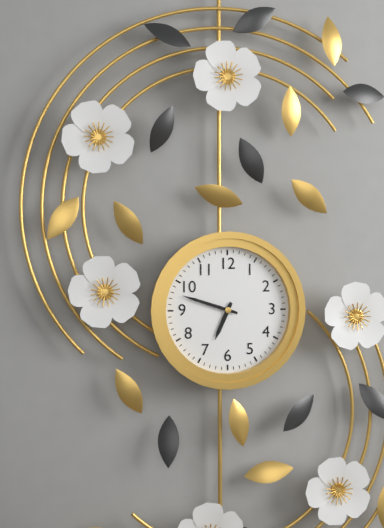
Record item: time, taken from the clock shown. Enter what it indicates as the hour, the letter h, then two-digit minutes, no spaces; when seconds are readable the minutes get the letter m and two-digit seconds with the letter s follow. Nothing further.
6h48
